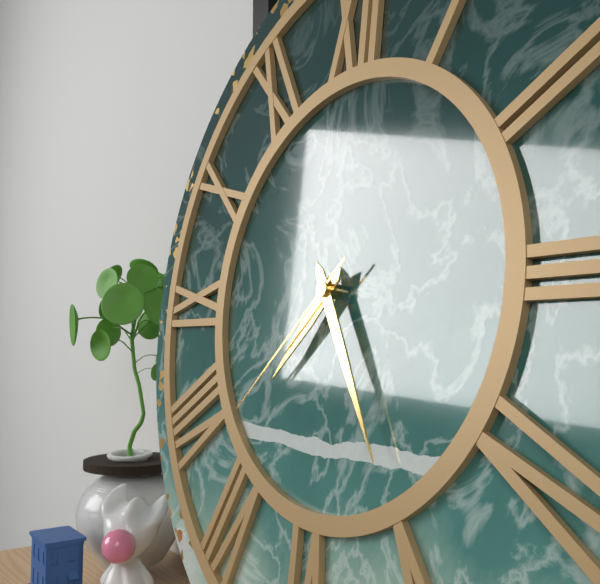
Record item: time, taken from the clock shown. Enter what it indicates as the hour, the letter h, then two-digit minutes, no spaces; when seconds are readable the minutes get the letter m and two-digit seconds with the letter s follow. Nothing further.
7h25m38s
